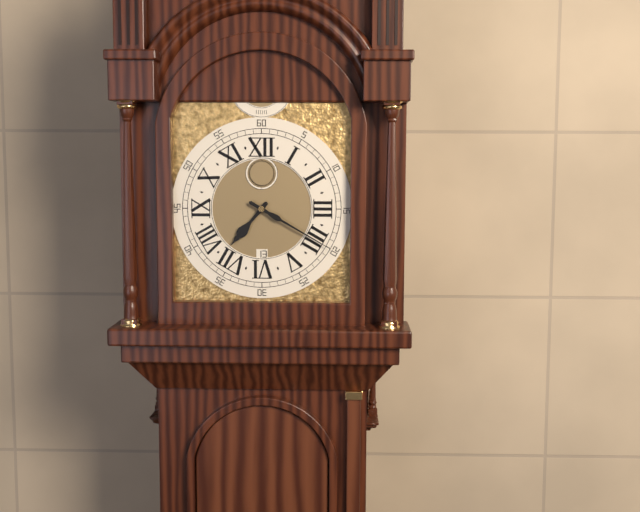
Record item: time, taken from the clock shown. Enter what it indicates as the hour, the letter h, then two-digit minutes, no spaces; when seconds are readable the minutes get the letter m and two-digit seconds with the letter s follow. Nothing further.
7h20
